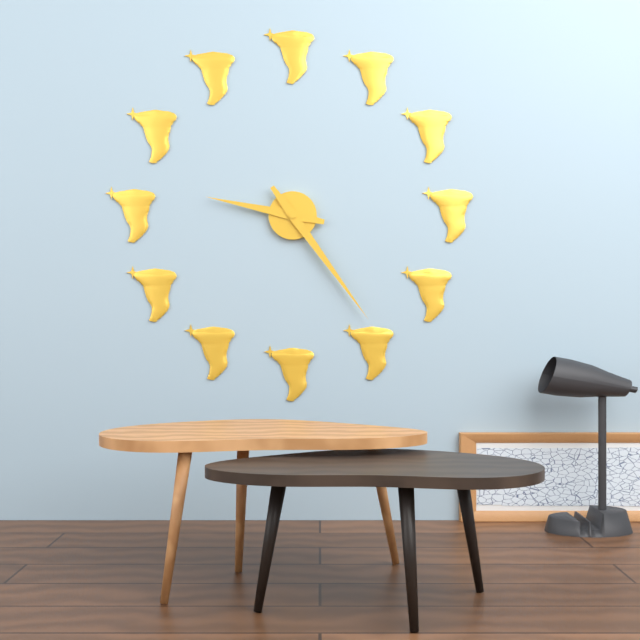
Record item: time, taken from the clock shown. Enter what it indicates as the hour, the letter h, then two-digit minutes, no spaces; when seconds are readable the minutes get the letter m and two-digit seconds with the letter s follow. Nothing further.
9h24
